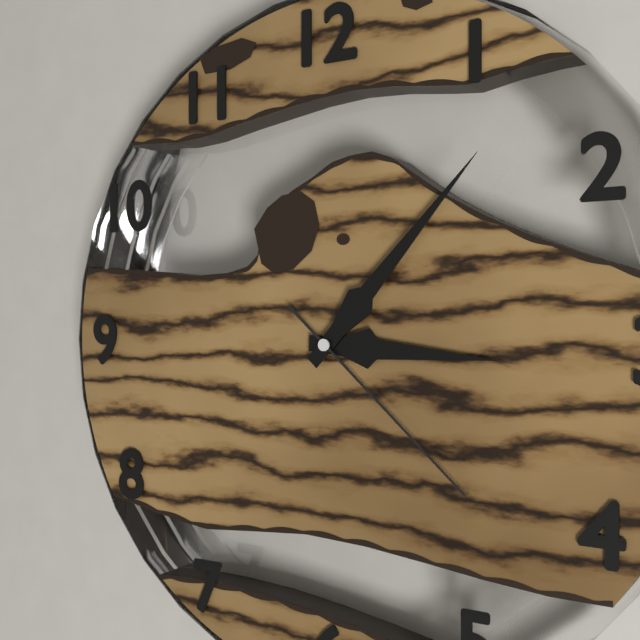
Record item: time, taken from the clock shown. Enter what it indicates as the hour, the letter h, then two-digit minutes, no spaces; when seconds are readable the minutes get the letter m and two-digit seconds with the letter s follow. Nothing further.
3h07m22s
